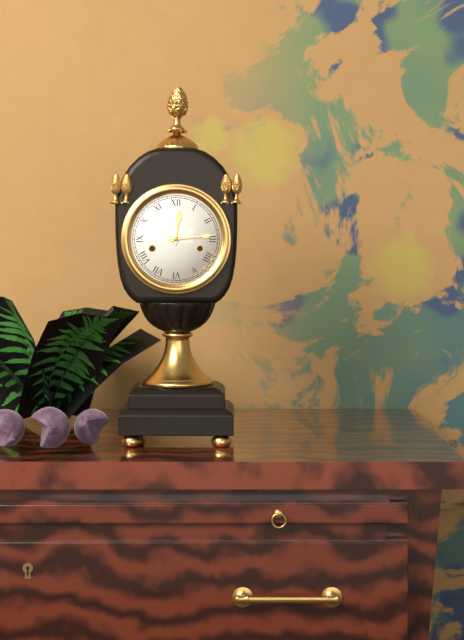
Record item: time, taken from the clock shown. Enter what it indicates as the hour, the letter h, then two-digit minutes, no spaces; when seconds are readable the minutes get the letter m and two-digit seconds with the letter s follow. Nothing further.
12h14
